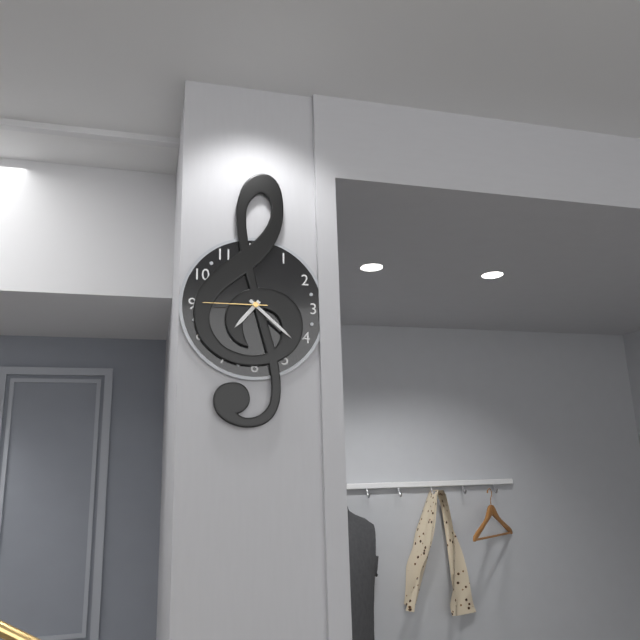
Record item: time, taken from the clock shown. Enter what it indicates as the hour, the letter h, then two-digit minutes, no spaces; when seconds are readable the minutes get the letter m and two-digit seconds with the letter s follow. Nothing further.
7h22m45s
